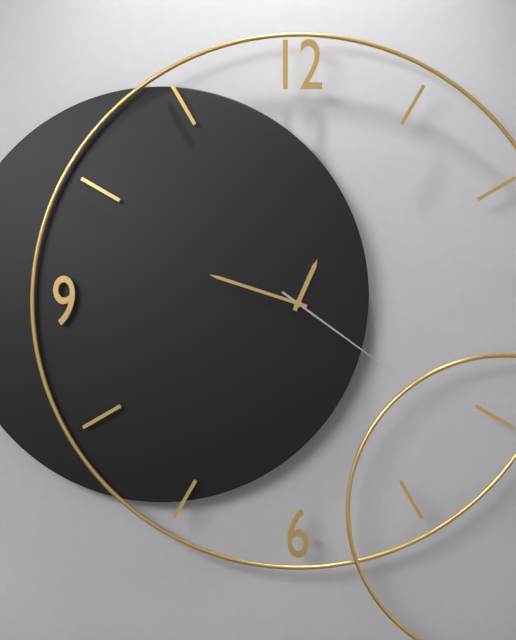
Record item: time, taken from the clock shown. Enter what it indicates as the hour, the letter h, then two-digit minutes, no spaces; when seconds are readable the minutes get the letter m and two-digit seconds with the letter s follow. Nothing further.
12h48m21s
